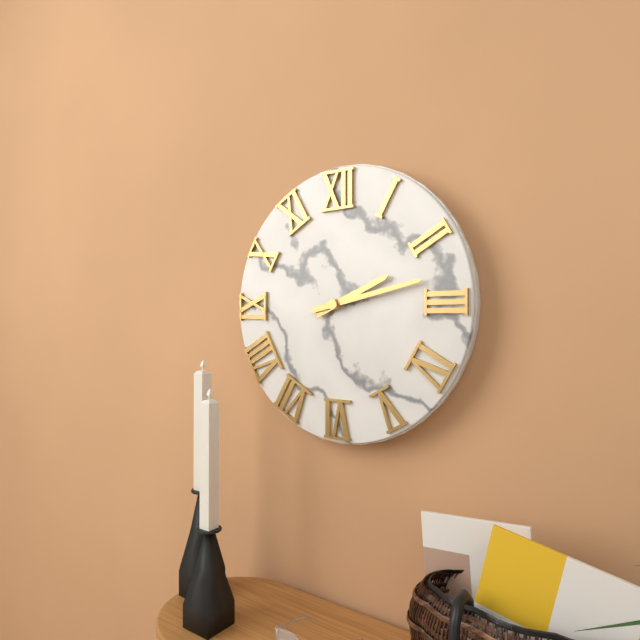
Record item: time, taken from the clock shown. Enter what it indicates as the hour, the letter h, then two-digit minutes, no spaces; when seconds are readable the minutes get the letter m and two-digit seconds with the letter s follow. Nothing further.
2h13
